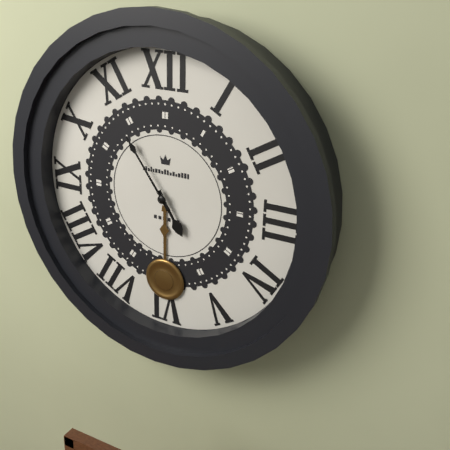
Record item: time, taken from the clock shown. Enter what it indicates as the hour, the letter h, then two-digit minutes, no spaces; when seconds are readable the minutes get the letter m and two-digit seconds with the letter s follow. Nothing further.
4h54
